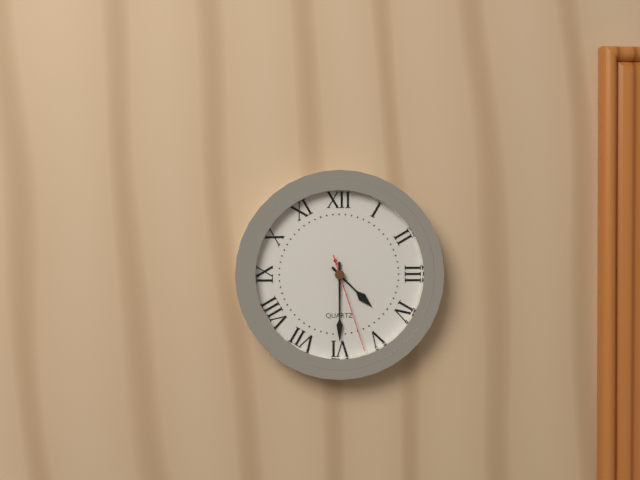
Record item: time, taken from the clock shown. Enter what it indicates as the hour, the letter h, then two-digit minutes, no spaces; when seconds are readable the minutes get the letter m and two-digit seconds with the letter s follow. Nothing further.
4h30m27s
